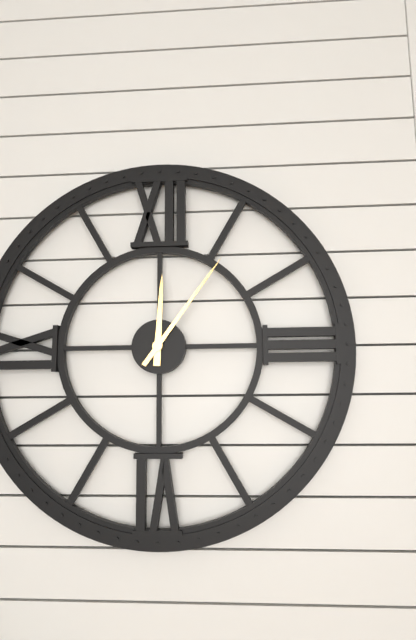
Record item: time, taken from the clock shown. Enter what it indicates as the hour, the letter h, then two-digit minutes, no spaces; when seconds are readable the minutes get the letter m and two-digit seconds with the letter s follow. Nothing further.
12h06
